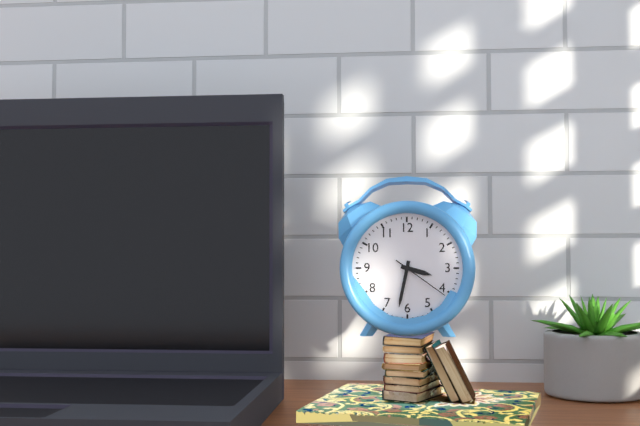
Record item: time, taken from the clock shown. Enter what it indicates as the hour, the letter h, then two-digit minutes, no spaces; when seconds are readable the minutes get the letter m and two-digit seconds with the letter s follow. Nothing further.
3h32m21s
